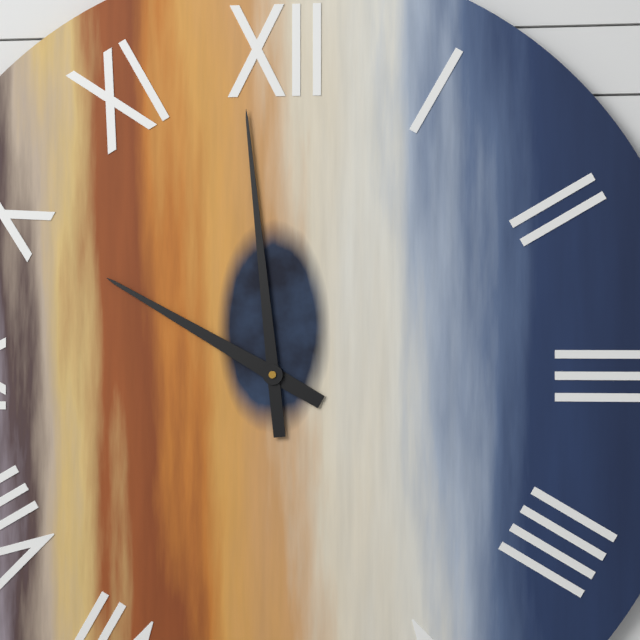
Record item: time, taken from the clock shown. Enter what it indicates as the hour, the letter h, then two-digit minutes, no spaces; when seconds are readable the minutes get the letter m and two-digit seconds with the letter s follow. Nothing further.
9h59
